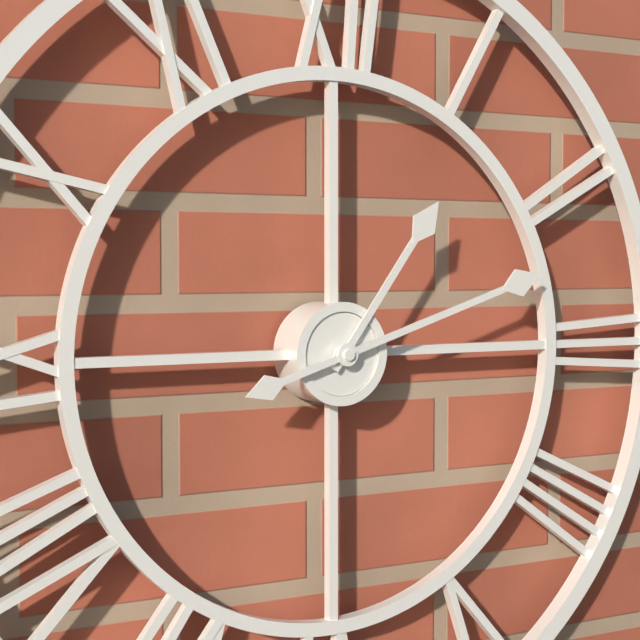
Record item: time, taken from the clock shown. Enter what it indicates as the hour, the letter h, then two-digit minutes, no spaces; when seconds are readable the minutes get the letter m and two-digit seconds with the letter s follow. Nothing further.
1h12
